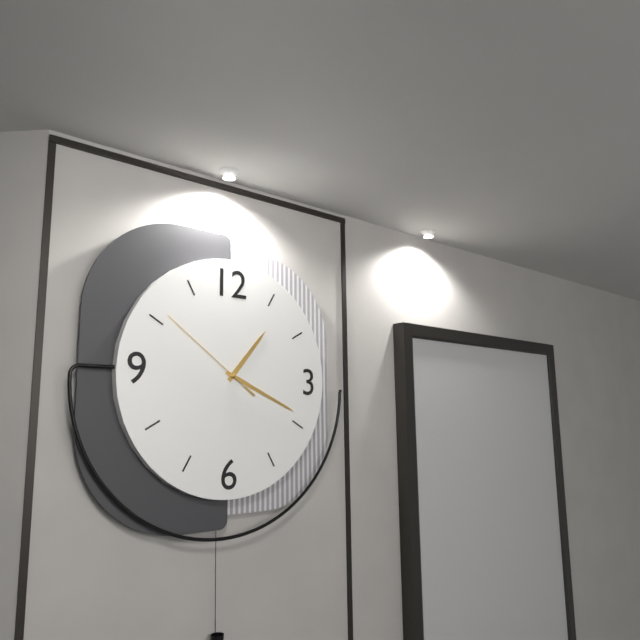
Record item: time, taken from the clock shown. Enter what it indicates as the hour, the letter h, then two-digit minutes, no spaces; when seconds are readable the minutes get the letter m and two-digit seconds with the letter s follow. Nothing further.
1h19m51s
